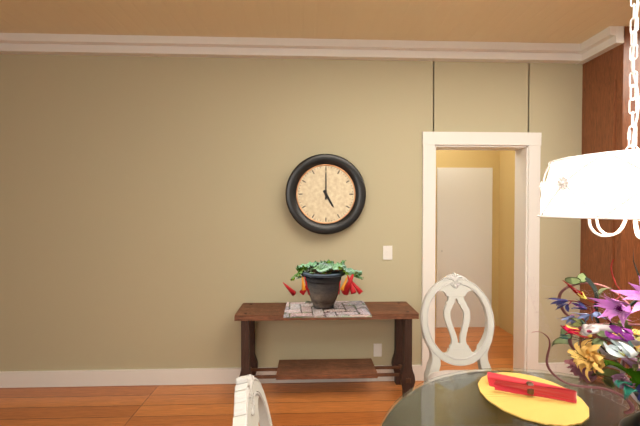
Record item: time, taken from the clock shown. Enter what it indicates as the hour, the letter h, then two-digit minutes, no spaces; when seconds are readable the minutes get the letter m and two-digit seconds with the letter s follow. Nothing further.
5h00
